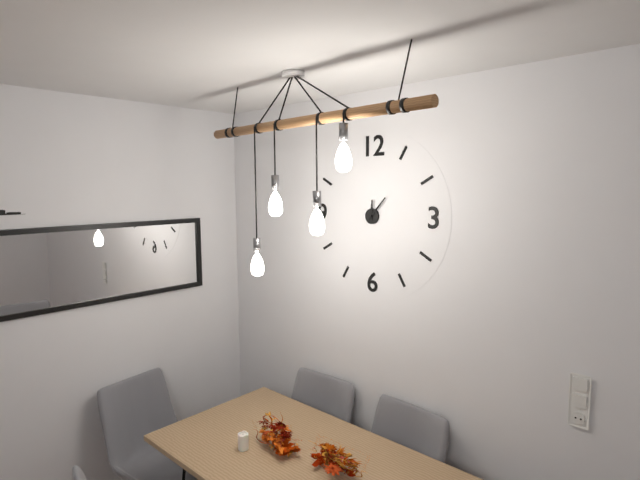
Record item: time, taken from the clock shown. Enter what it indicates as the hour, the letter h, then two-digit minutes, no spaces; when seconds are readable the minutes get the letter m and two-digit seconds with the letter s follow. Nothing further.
12h07
